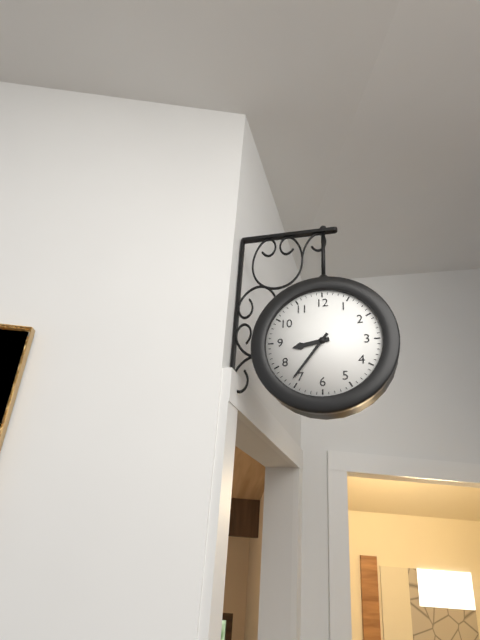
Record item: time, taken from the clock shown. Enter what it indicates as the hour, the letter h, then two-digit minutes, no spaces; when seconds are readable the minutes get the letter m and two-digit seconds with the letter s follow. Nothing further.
8h36
